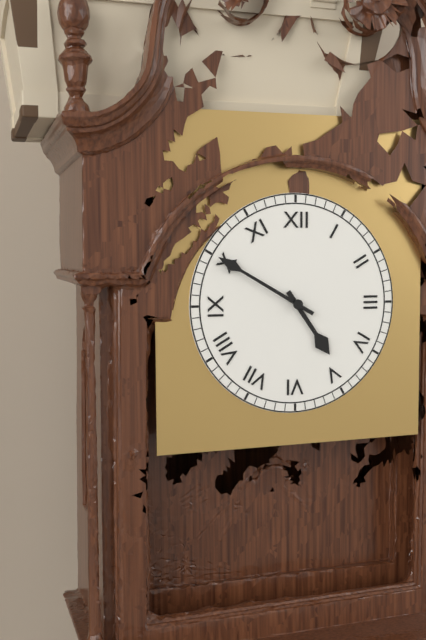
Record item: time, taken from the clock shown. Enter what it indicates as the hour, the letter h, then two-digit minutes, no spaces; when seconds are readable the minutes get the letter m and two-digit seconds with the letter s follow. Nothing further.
4h50
